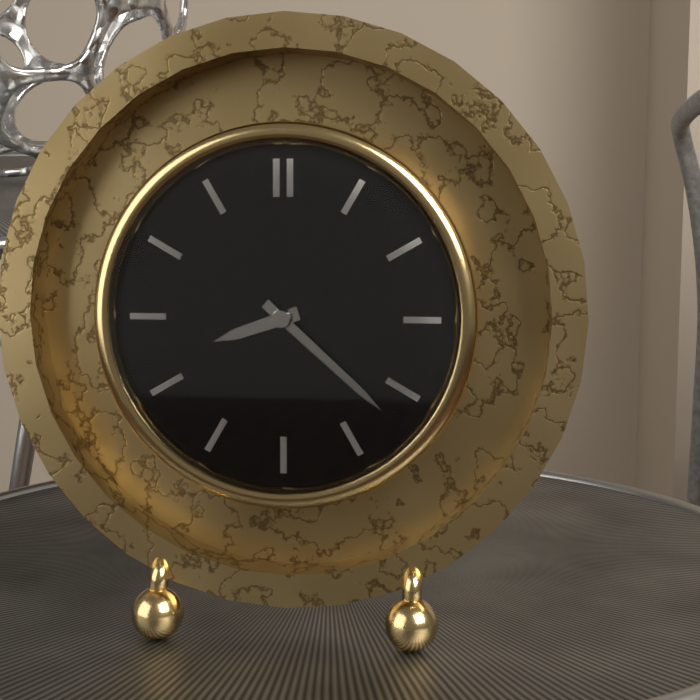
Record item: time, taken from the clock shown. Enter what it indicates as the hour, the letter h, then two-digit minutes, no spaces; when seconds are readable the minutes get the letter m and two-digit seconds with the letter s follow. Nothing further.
8h22
